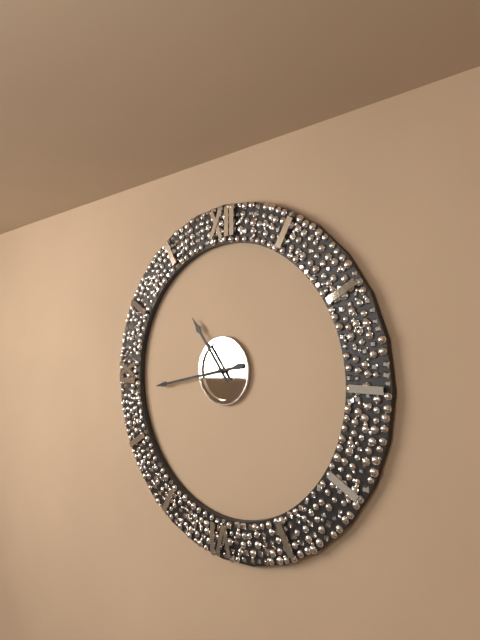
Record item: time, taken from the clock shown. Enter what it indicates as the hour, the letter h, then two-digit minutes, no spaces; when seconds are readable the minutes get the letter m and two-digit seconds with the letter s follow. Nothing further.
10h43
